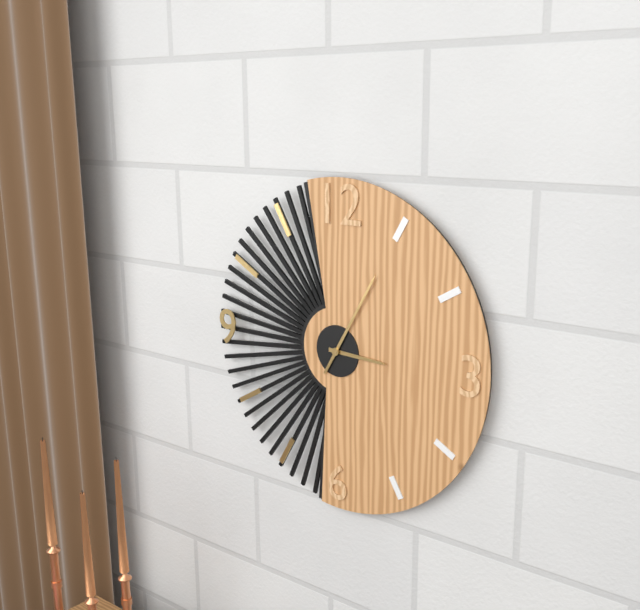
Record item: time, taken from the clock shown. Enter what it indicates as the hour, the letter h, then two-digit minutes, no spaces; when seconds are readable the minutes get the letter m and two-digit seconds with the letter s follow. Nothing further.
3h05
